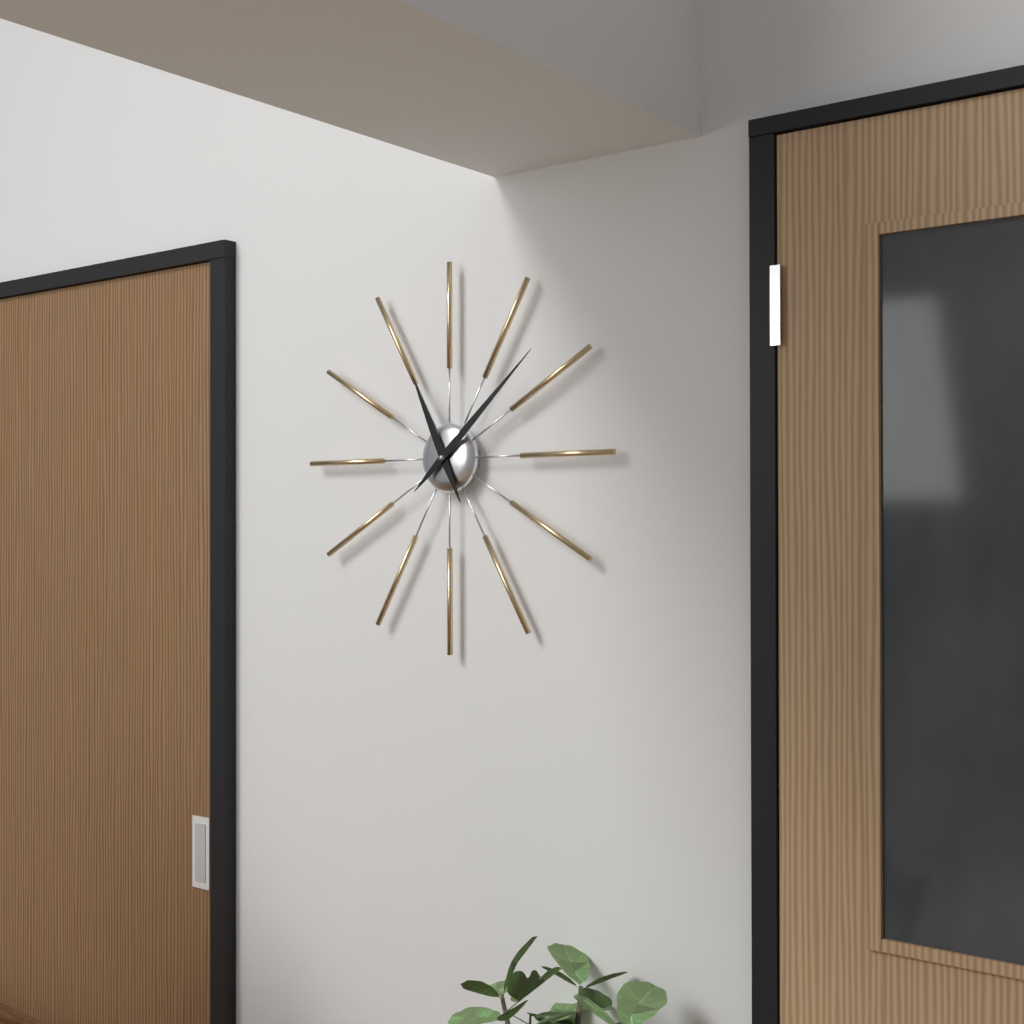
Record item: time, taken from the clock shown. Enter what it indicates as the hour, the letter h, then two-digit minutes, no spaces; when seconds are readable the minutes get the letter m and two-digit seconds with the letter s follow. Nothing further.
11h08
